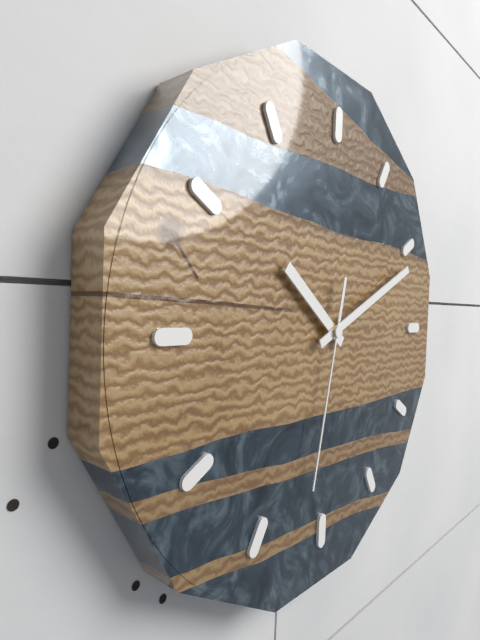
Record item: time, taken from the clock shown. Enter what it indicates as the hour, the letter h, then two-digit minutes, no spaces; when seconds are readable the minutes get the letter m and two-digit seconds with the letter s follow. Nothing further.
10h11m32s
